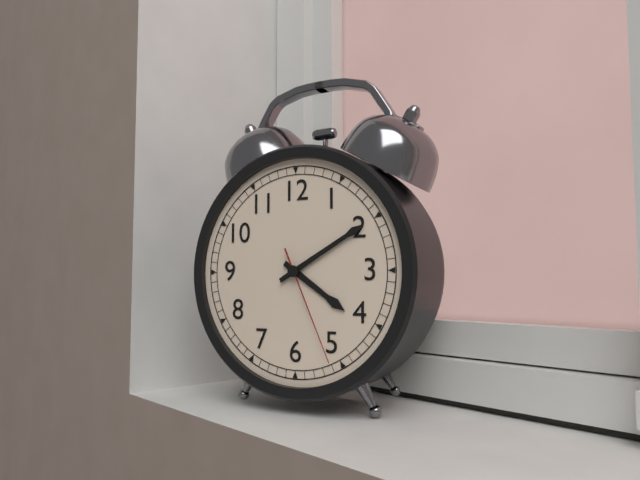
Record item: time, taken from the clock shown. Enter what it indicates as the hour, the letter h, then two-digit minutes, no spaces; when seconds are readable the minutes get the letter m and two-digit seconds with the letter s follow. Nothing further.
4h10m26s
